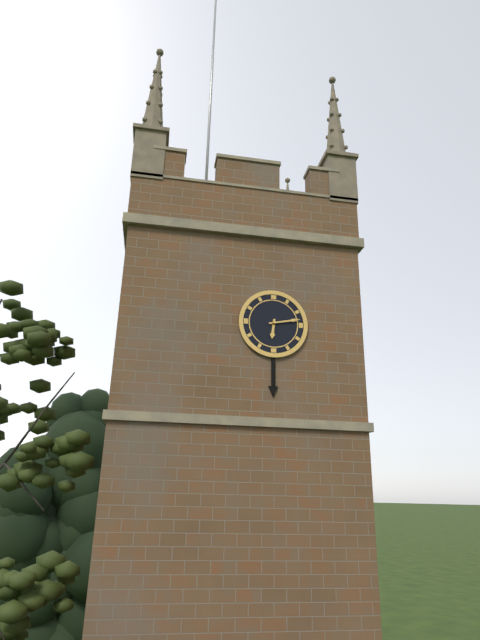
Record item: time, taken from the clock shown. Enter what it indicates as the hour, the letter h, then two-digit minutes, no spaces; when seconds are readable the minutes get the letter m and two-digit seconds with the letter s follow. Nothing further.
6h13
